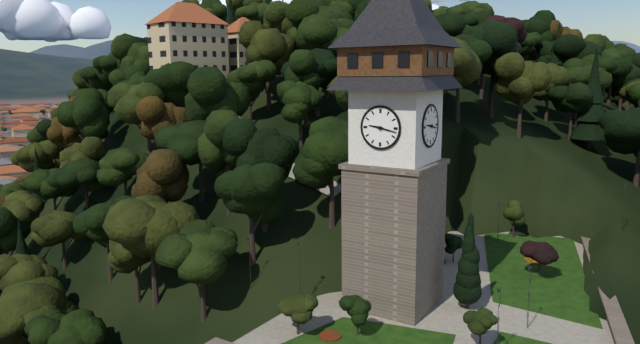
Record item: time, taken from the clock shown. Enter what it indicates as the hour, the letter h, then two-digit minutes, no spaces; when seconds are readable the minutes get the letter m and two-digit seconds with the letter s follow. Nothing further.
9h17
